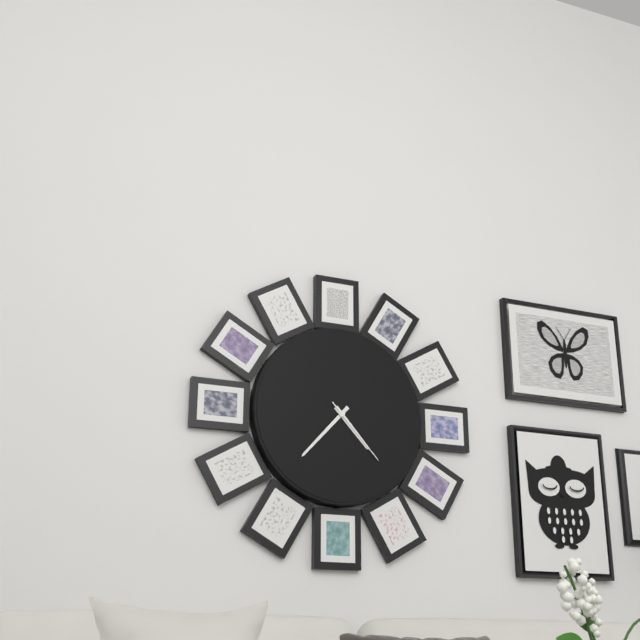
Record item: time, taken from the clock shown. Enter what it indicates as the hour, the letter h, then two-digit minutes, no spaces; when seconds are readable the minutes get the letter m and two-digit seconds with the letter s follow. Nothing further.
4h37m23s
